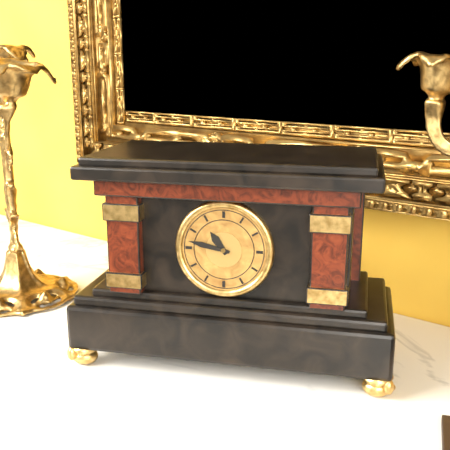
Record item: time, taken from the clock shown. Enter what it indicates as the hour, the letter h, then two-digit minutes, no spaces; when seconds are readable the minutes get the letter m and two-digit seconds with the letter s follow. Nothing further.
10h47
